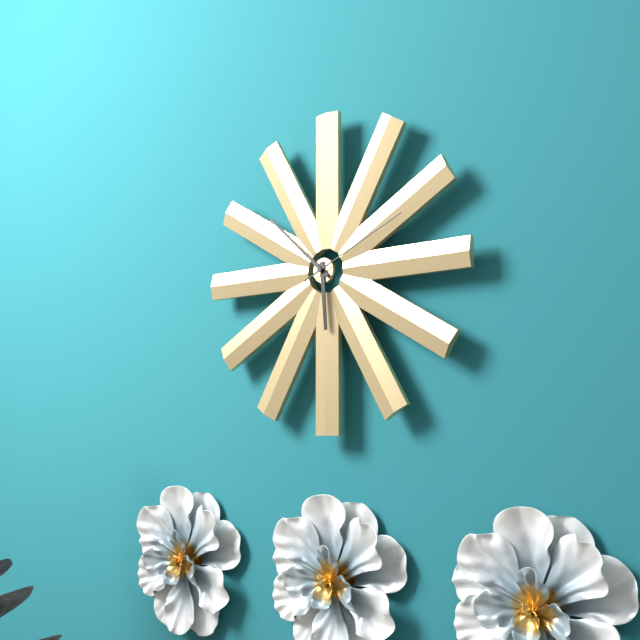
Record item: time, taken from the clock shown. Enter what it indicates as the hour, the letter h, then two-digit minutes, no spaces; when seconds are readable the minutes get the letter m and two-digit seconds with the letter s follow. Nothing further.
5h52m11s
